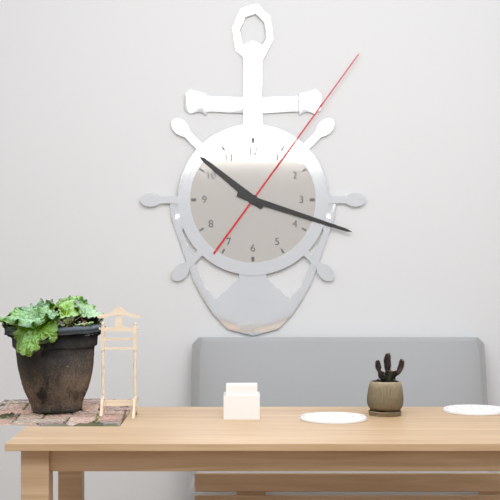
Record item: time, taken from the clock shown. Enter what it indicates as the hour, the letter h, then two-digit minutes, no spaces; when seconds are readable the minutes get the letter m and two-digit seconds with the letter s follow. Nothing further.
10h18m06s
